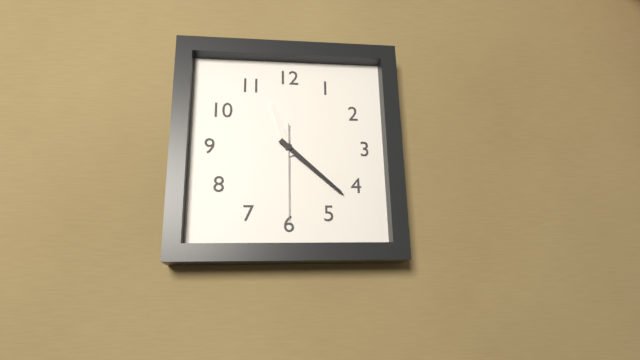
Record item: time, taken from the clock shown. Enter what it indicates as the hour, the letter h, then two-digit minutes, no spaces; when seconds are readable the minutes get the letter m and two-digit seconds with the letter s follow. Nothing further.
11h22m30s
